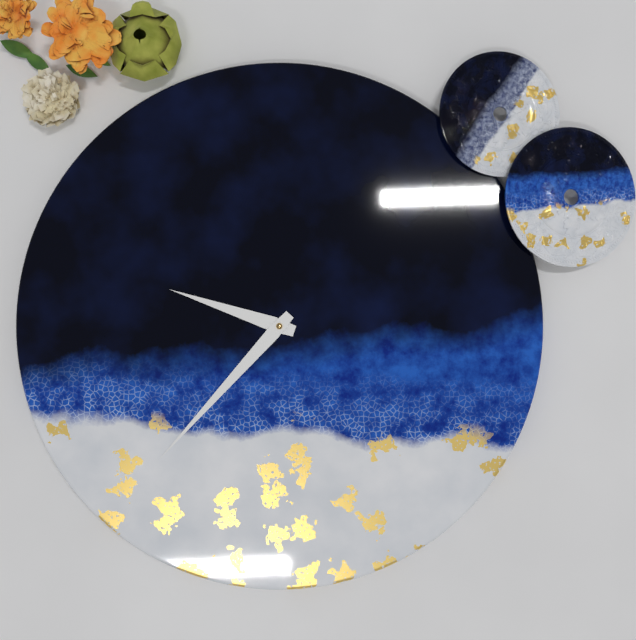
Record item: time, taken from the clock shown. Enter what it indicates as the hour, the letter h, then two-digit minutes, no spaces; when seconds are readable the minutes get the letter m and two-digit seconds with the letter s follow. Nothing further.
9h37
